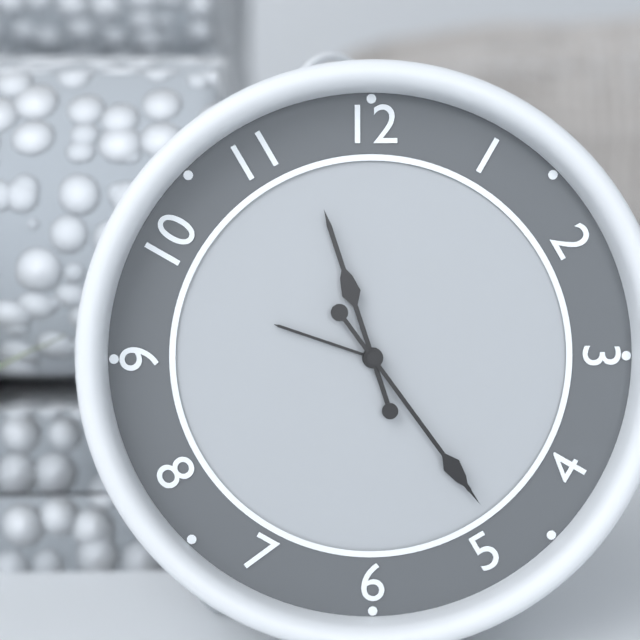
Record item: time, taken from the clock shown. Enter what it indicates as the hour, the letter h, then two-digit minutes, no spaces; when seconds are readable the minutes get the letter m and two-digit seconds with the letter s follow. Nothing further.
11h24
